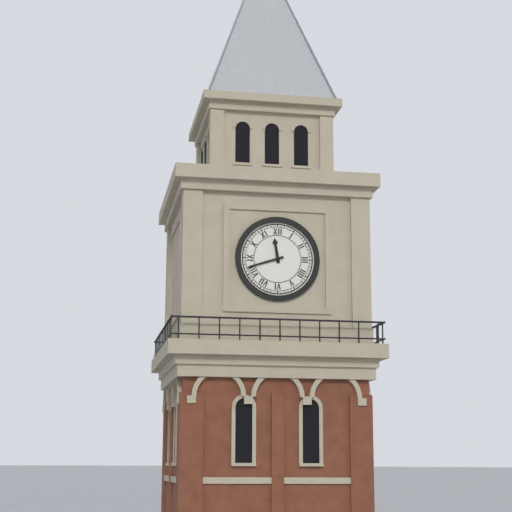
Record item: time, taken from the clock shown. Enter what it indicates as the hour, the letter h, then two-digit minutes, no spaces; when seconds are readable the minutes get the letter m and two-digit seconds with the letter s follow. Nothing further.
11h42
